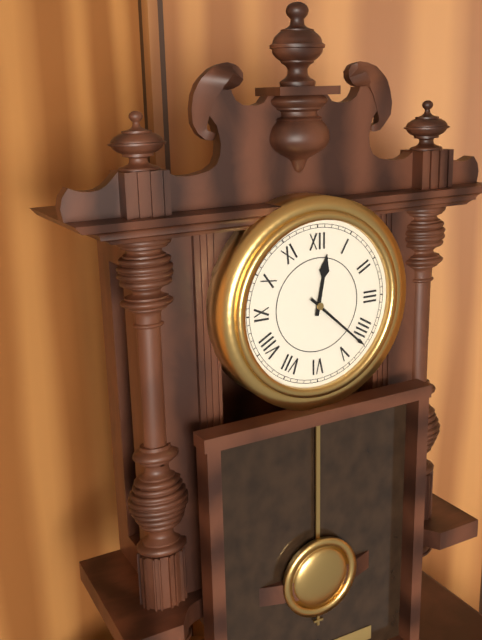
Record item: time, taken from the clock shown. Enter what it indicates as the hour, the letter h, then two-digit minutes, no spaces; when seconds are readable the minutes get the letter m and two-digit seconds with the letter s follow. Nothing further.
12h22
